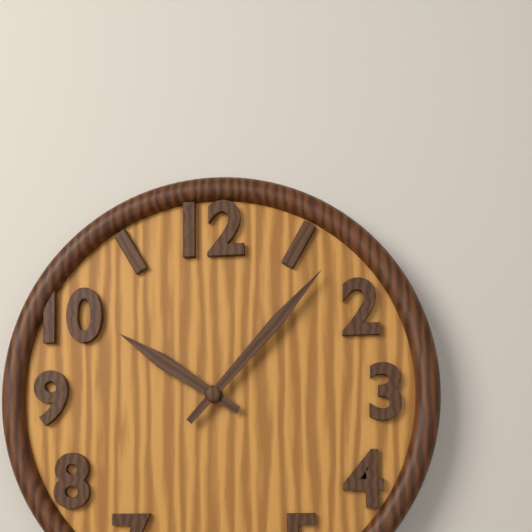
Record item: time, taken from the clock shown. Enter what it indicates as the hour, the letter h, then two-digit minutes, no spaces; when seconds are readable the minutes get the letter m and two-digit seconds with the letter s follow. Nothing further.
10h07
